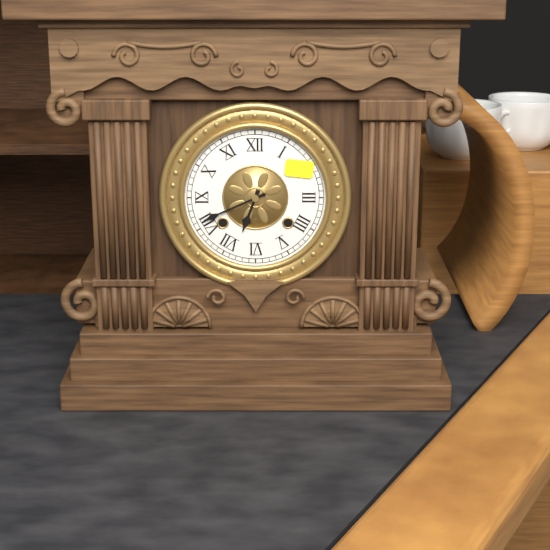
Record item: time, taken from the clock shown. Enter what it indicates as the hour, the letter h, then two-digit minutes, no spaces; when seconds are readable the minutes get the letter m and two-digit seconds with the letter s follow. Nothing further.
6h41
